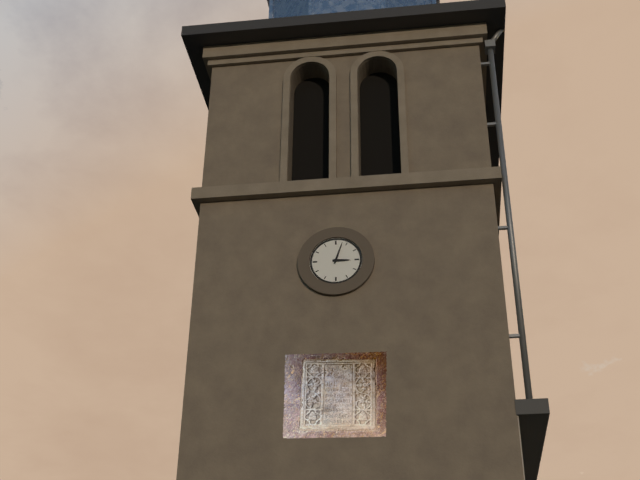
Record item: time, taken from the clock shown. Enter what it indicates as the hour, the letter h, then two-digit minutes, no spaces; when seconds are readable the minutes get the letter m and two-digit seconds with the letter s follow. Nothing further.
3h03
